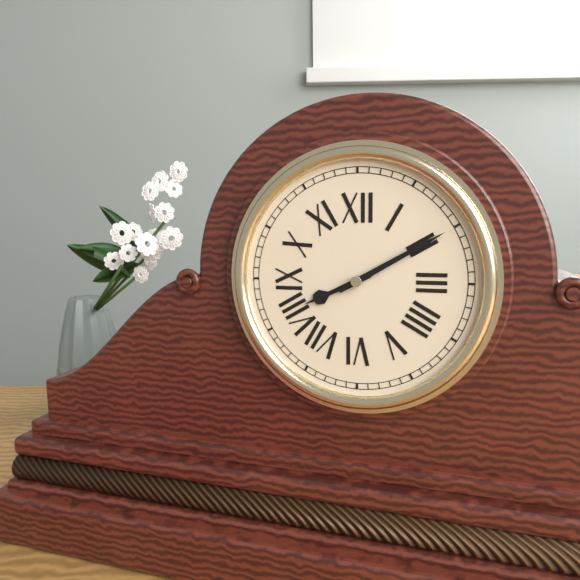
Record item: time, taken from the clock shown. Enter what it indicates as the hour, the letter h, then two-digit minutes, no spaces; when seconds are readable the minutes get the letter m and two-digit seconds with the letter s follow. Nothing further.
8h10
